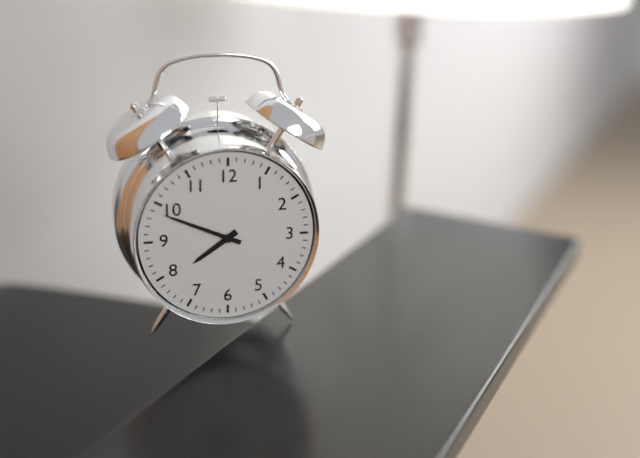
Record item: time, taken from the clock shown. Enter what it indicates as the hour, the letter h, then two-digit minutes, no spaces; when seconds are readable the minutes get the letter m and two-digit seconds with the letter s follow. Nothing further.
7h49
